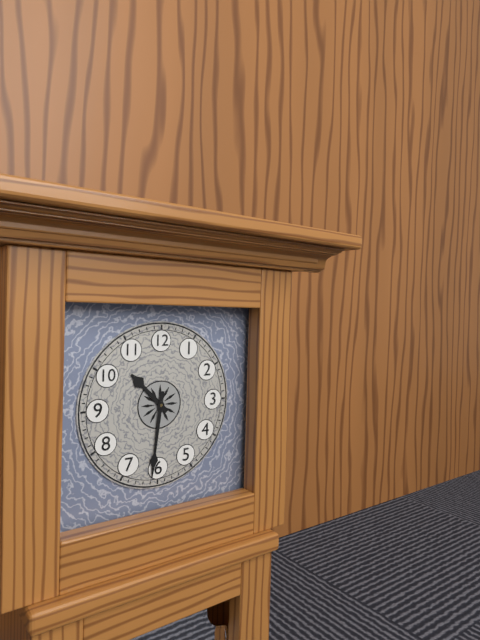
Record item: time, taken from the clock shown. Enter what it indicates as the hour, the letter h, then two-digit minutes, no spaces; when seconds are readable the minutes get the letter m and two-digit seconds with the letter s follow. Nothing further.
10h31
